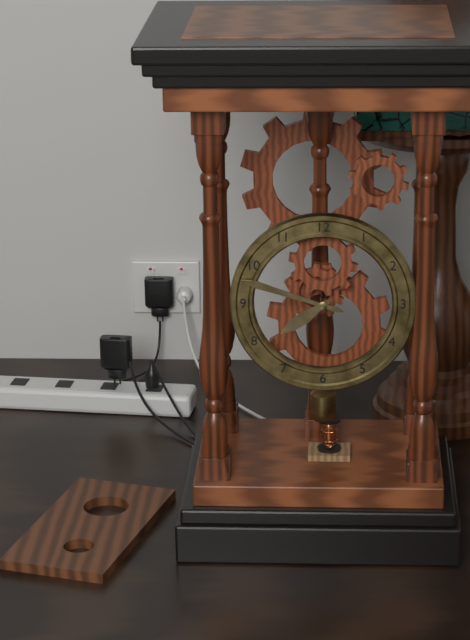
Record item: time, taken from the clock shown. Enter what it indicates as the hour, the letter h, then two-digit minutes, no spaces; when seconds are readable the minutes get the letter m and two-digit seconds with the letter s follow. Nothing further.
7h48
